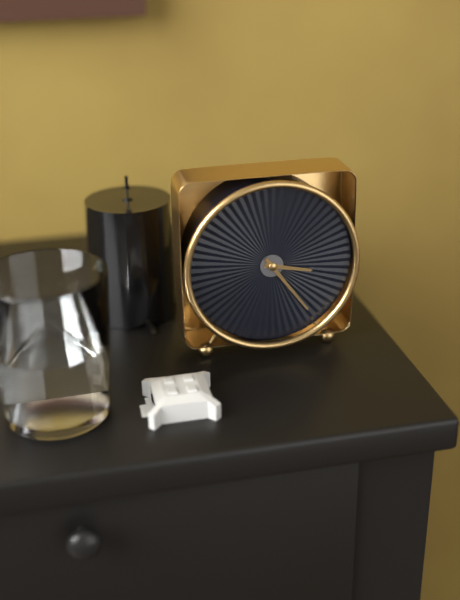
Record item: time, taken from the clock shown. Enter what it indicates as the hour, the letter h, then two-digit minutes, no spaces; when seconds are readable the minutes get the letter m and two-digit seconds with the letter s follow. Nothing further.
3h24
